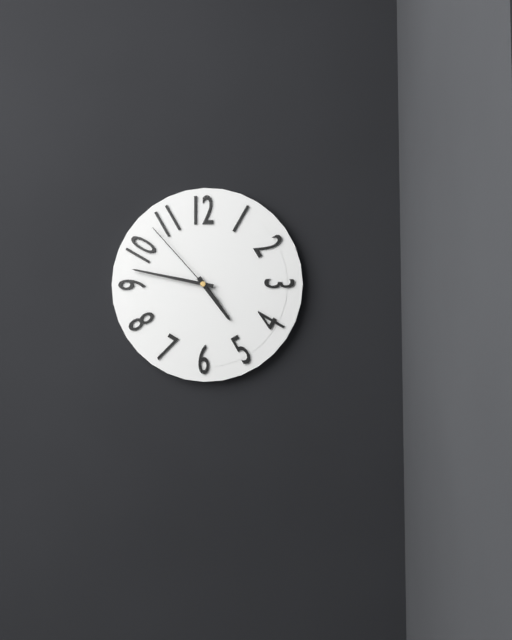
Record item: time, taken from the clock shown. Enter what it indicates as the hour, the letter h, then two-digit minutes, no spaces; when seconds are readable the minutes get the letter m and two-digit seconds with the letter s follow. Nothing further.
4h47m53s
